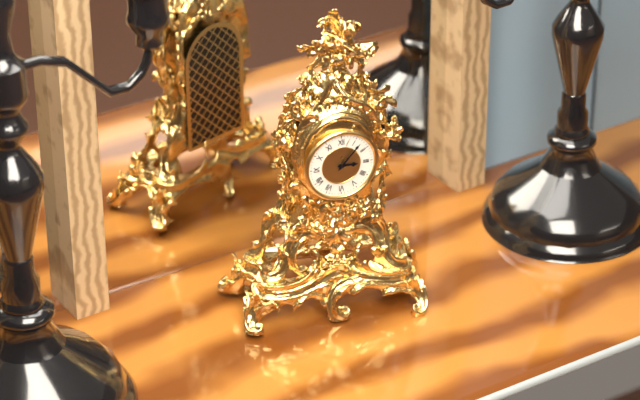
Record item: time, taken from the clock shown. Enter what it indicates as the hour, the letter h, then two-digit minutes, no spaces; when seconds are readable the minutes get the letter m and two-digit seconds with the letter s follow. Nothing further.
3h07
